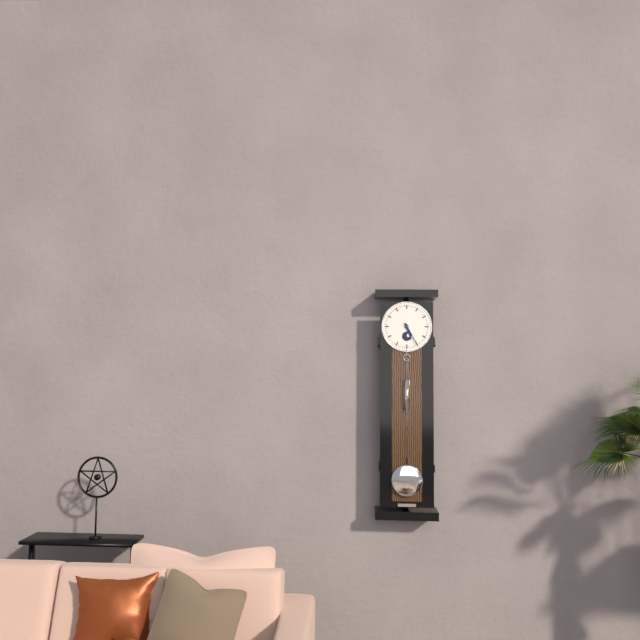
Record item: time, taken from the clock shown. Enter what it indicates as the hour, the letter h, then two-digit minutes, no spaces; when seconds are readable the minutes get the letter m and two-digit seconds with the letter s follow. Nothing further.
5h25
